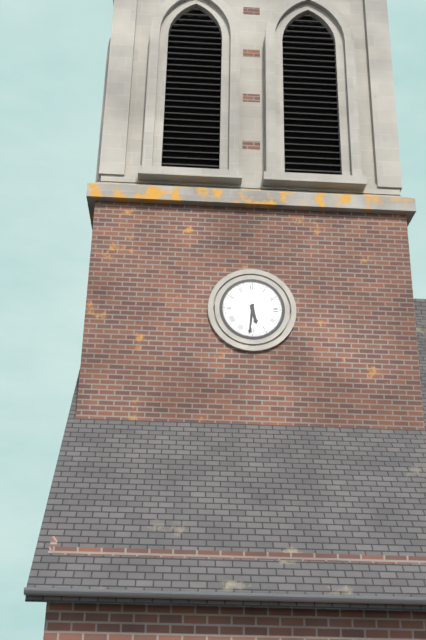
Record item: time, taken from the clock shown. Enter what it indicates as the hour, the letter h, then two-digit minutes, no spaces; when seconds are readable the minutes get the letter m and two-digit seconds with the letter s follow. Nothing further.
5h31
